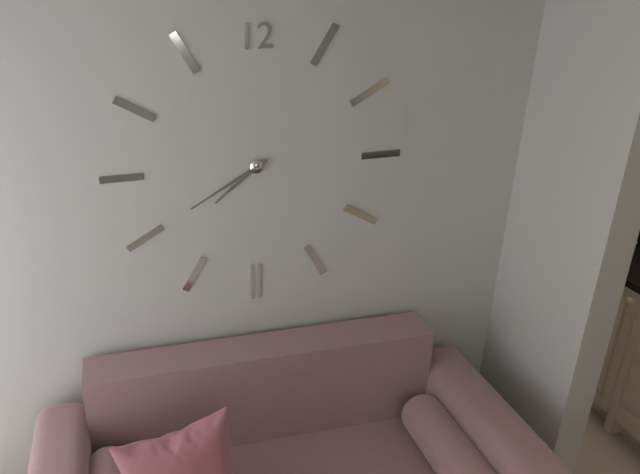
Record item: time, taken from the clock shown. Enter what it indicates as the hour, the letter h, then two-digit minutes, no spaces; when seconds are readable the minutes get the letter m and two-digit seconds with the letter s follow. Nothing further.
7h40
